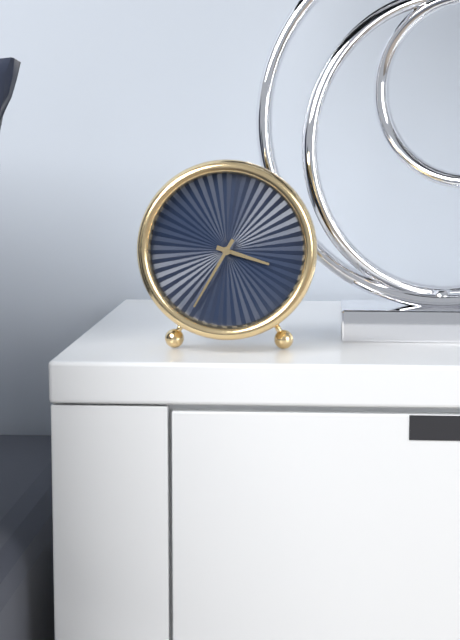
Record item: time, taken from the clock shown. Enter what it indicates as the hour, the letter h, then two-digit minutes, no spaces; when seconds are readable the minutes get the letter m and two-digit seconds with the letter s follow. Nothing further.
3h35
